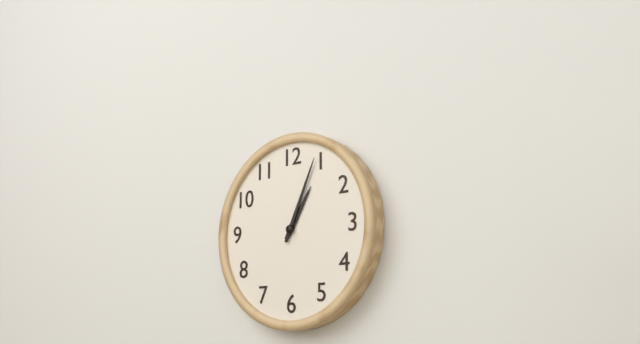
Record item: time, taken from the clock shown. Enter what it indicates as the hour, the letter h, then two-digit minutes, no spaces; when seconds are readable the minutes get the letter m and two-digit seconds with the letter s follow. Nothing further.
1h04
